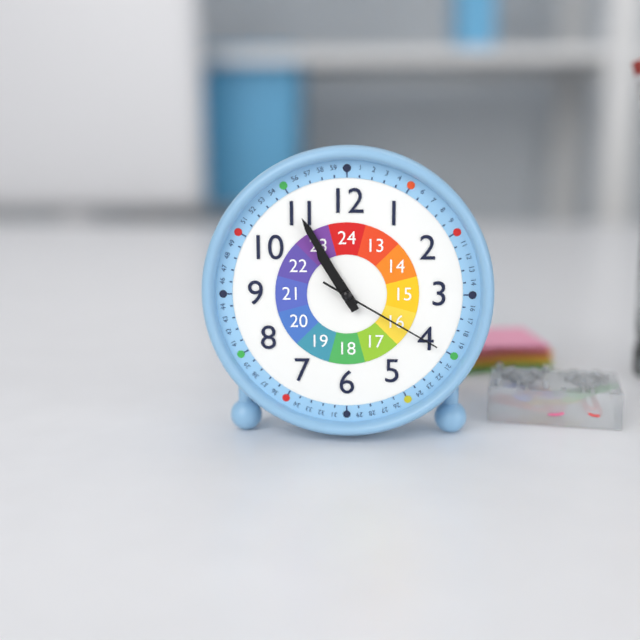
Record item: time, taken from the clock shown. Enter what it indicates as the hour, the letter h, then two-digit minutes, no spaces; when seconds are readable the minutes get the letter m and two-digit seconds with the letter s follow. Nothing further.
10h55m20s
